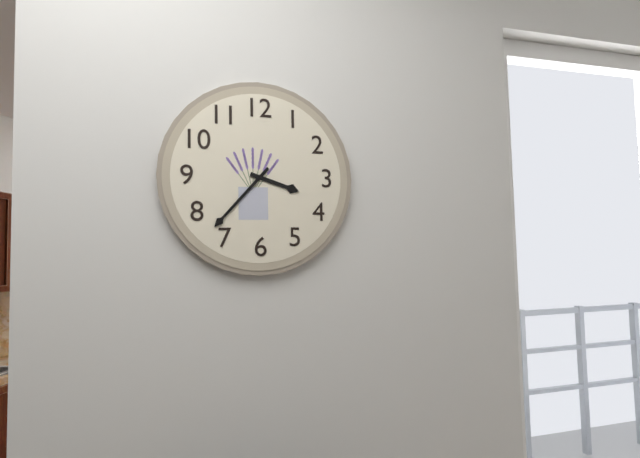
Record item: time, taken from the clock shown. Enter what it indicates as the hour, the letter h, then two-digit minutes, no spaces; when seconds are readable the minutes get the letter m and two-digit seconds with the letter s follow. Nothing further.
3h37
